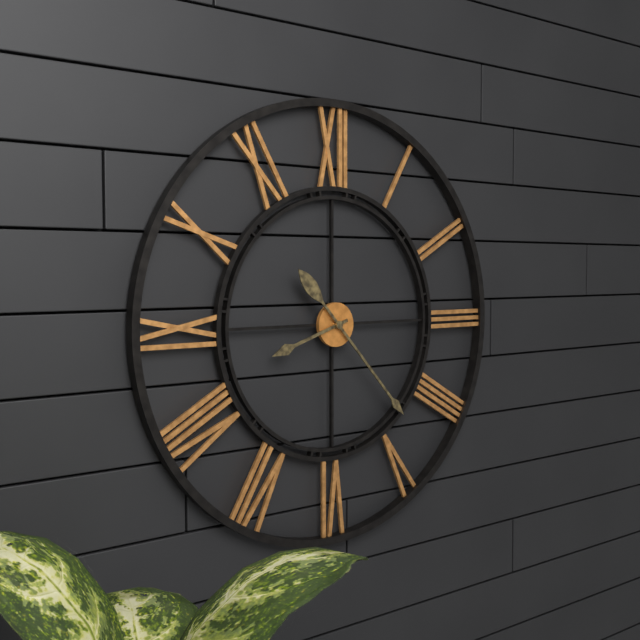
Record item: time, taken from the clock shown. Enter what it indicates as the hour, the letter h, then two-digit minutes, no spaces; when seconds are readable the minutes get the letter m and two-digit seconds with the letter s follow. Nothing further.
8h23
